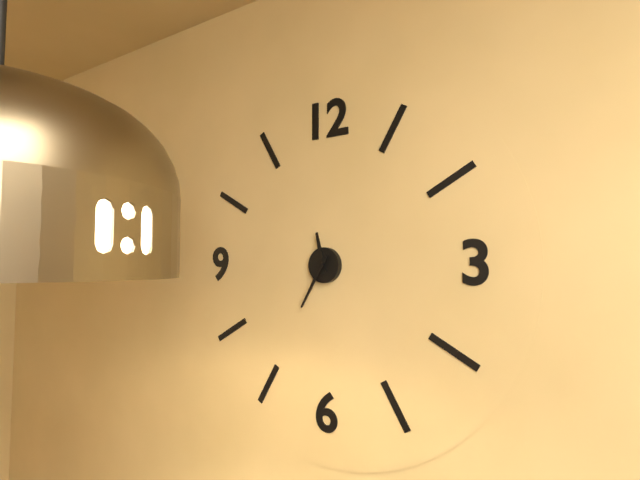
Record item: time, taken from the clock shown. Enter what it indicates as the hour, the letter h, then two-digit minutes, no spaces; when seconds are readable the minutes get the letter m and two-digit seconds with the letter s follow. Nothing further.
11h35
